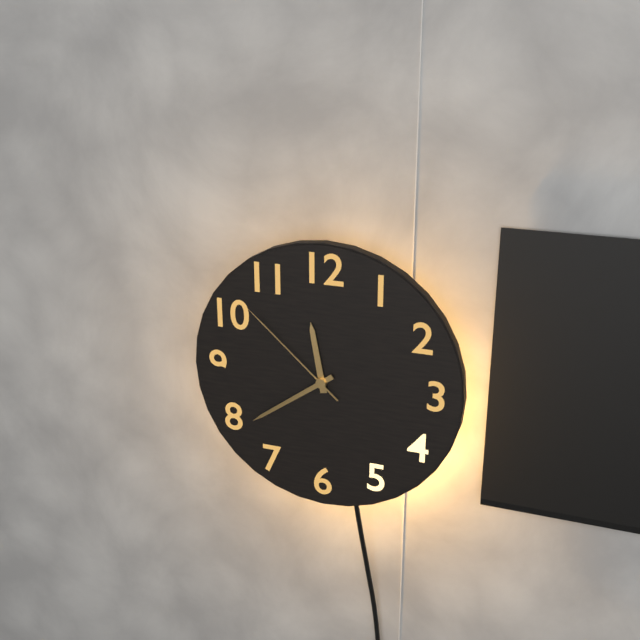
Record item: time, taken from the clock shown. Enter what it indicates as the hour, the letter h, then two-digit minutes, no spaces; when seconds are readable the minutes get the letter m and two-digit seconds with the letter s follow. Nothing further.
11h39m52s
